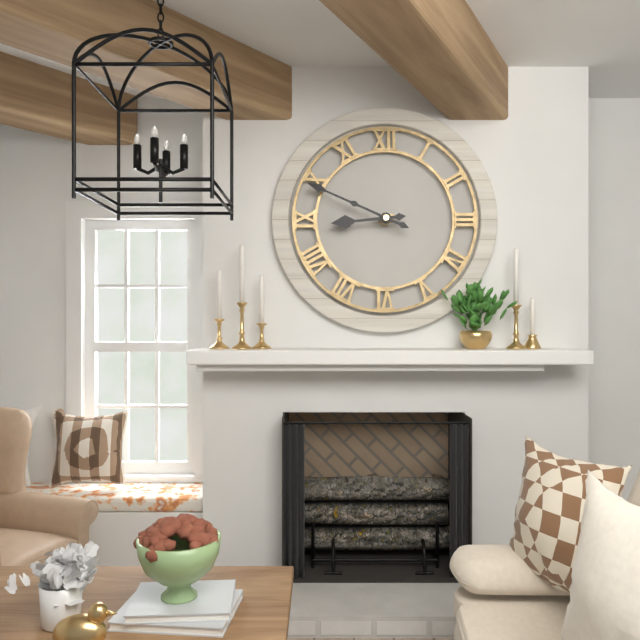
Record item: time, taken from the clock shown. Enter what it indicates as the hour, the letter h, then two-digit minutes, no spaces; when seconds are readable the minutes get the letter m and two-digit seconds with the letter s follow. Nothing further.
8h49
